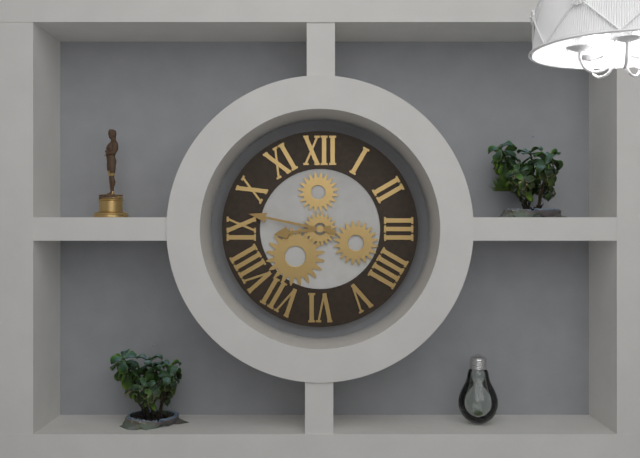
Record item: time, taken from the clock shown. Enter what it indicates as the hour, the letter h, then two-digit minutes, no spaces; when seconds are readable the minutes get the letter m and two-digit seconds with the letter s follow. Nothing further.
8h47
